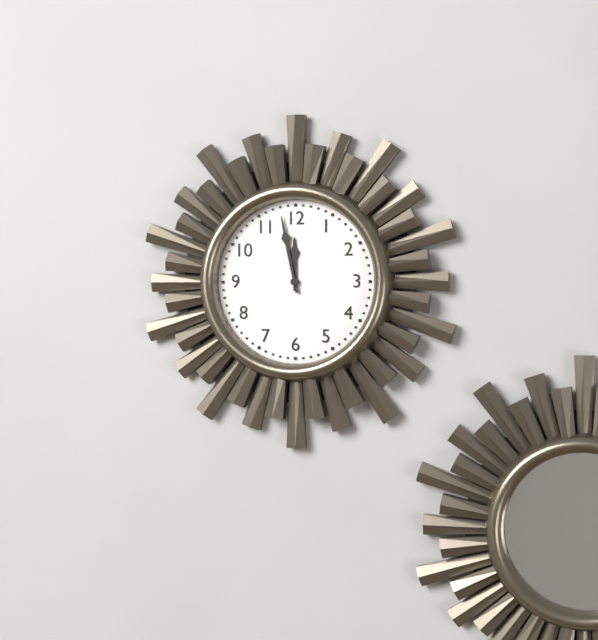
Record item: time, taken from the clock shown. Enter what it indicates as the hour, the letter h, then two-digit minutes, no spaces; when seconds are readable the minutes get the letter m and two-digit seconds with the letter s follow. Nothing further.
11h58
